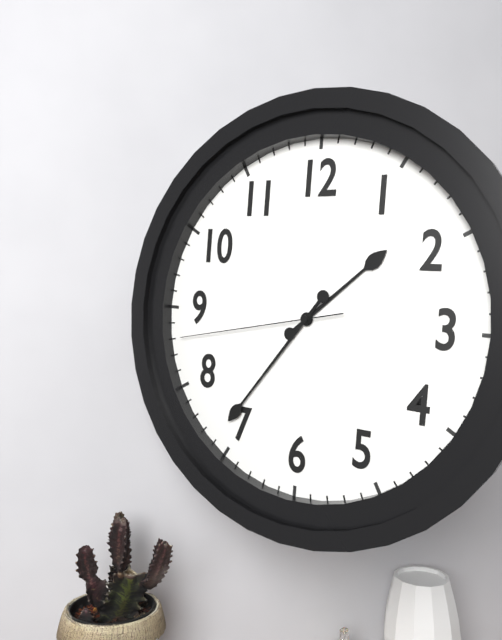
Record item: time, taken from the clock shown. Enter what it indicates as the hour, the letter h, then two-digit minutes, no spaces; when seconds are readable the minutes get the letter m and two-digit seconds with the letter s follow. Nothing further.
1h36m43s
